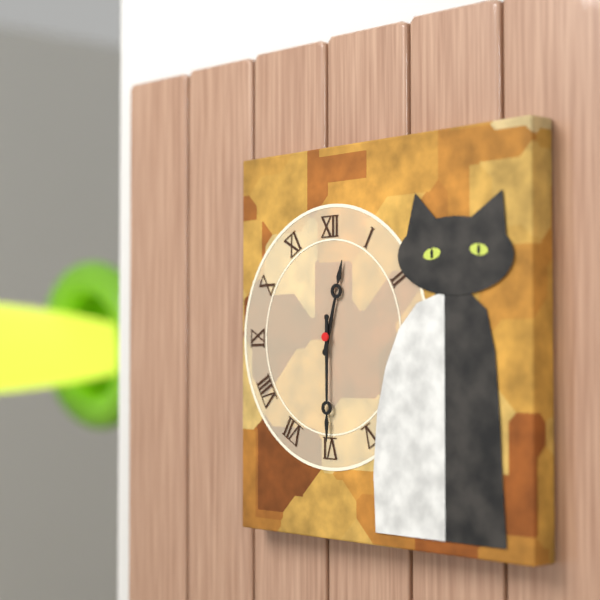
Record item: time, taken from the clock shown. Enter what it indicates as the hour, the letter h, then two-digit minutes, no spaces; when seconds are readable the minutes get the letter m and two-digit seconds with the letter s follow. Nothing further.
12h30
